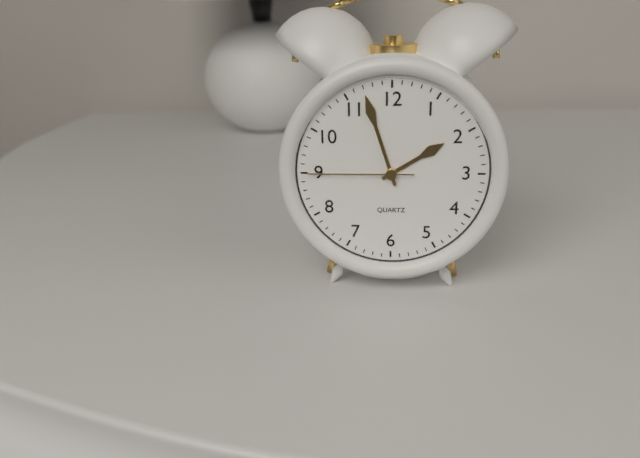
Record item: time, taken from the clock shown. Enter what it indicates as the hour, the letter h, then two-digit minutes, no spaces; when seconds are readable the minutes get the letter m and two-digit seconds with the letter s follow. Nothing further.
1h57m45s
